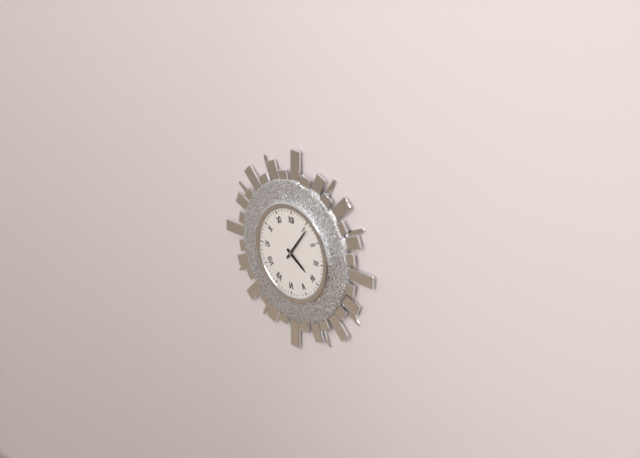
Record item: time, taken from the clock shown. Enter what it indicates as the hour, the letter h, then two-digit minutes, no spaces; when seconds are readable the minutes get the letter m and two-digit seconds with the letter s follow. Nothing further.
4h06
